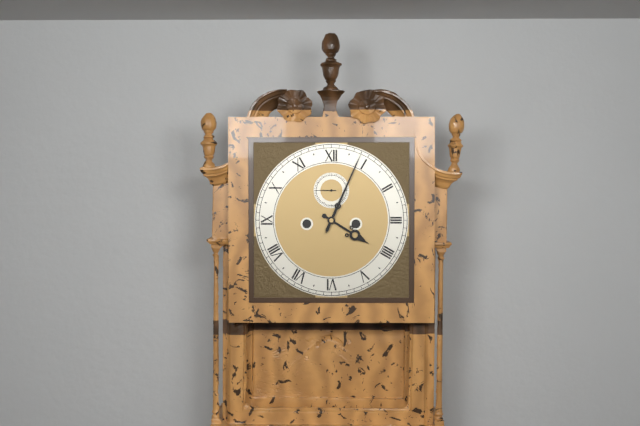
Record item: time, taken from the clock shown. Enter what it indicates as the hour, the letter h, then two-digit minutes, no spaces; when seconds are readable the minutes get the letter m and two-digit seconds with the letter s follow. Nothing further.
4h04
